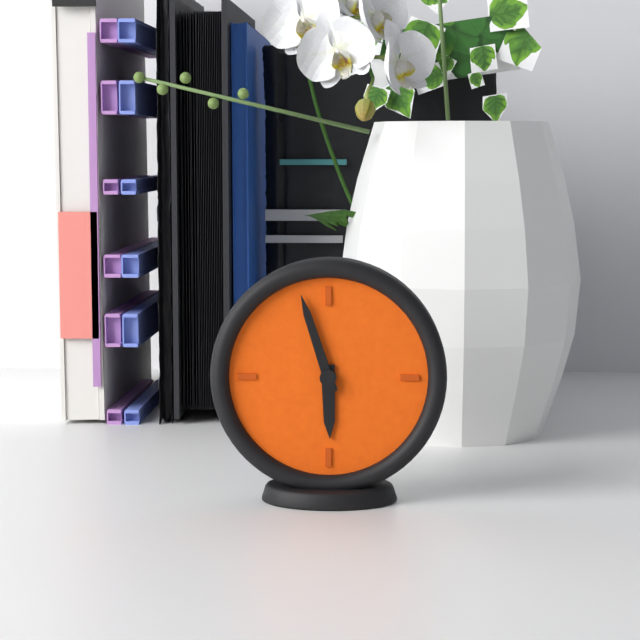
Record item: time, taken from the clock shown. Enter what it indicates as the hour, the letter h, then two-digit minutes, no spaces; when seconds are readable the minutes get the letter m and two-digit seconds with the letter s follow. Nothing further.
5h57
